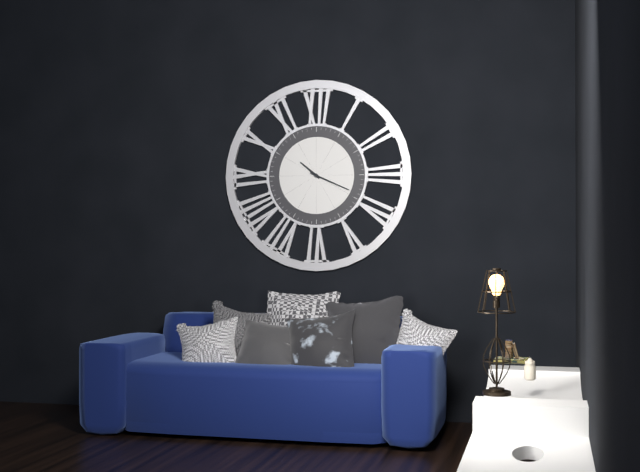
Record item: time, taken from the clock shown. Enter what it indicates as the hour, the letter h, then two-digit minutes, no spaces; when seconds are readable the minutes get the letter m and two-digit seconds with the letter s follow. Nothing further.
10h19
